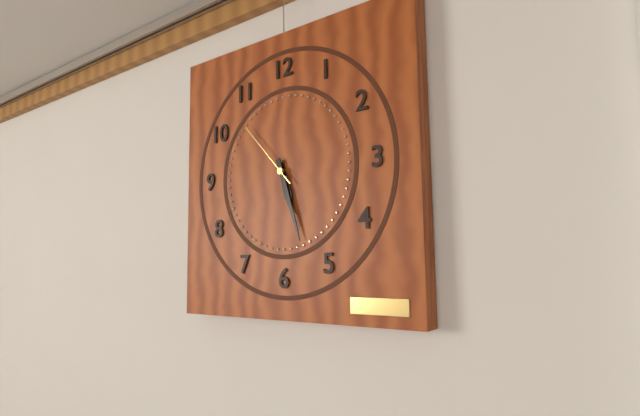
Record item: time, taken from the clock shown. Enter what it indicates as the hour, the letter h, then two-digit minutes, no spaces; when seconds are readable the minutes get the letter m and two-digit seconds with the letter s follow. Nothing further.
5h27m53s
